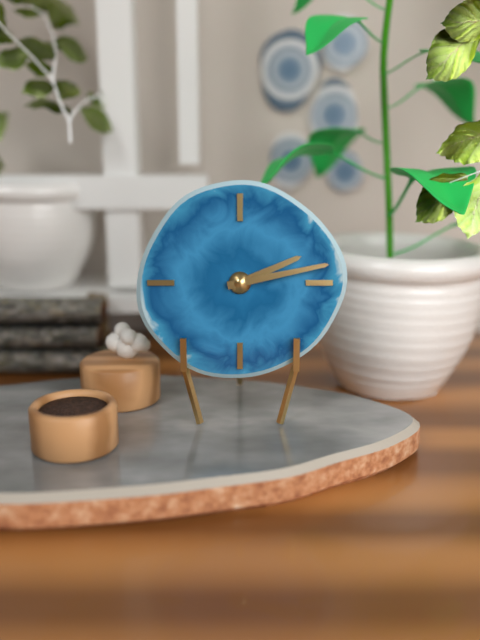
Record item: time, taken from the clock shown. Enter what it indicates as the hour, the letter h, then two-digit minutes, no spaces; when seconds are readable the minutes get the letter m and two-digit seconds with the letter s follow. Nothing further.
2h13
